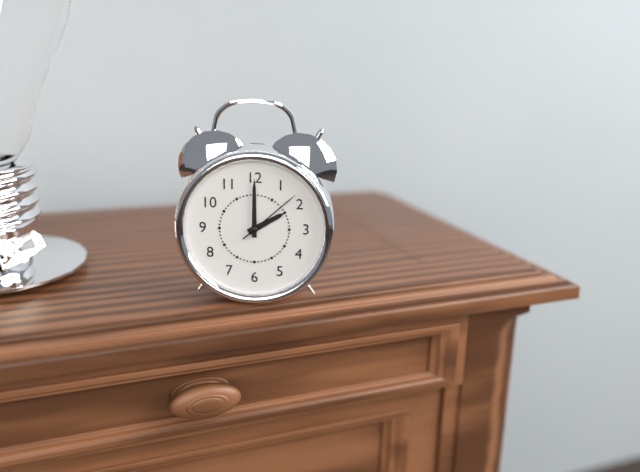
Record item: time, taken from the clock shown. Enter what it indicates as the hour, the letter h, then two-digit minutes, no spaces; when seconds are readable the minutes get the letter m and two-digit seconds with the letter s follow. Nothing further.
2h00m08s
